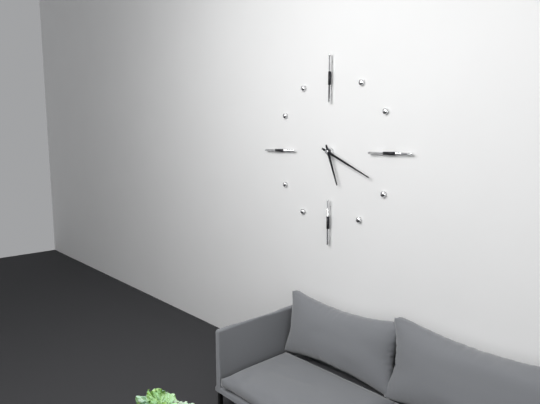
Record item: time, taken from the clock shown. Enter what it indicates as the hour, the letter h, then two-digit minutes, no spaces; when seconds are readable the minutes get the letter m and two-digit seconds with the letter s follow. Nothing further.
5h19
